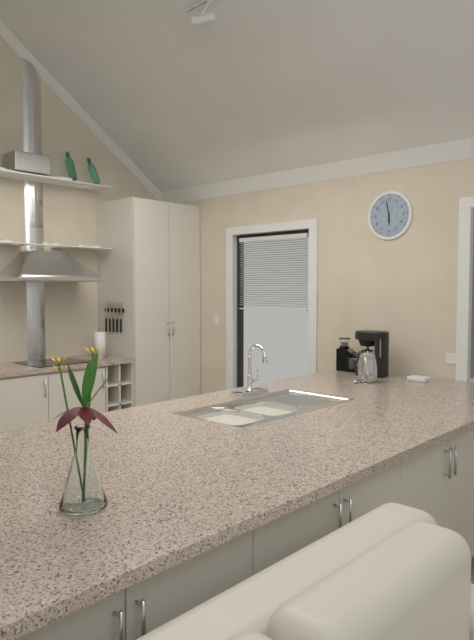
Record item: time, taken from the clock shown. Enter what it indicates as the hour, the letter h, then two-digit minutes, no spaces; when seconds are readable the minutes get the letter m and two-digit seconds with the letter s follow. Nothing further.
5h58
